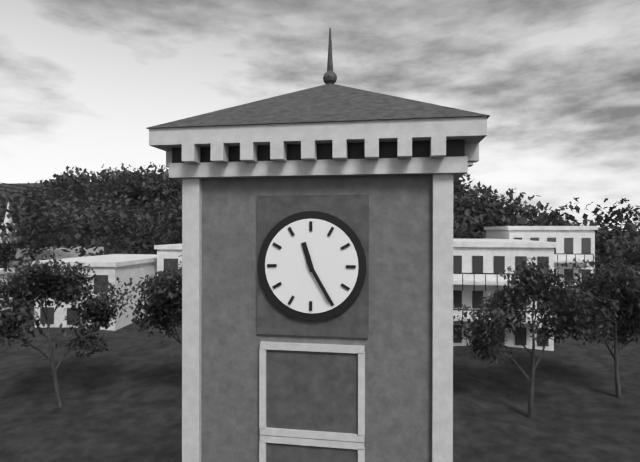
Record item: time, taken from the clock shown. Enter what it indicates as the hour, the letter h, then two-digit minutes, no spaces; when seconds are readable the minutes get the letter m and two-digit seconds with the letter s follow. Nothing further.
11h25
